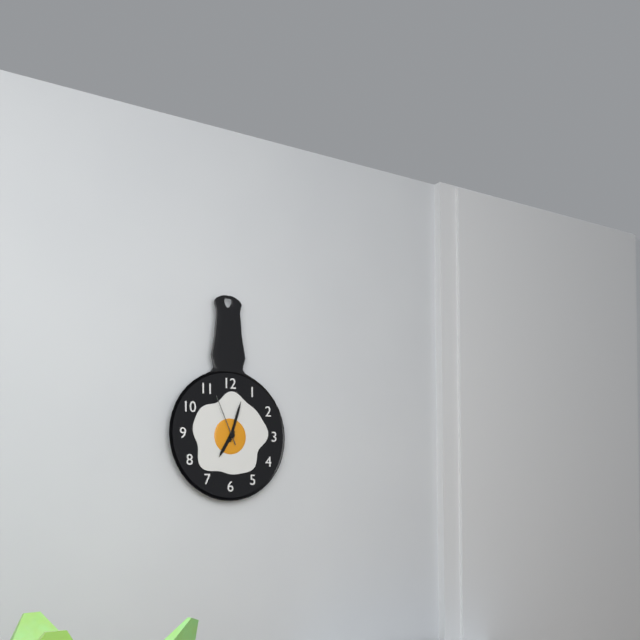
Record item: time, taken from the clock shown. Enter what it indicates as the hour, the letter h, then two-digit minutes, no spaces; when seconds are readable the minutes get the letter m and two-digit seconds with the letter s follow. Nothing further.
7h03m56s
